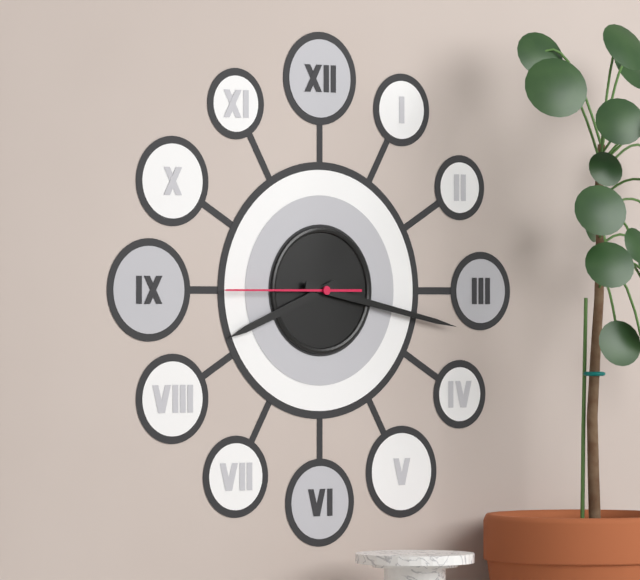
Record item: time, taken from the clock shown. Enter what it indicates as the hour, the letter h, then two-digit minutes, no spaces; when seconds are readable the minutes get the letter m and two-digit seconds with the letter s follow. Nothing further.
8h17m45s
